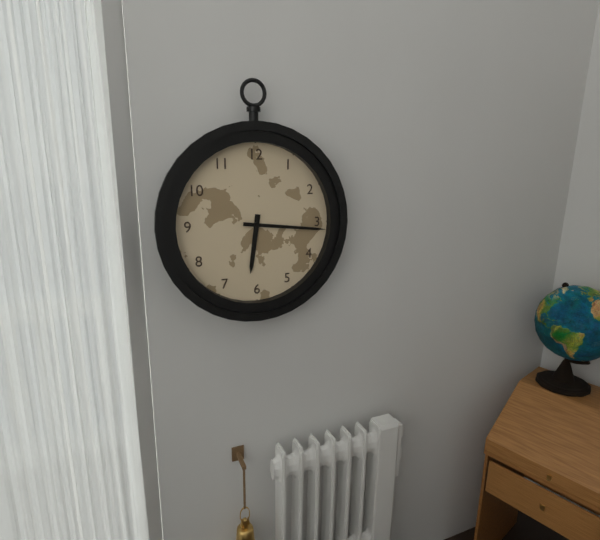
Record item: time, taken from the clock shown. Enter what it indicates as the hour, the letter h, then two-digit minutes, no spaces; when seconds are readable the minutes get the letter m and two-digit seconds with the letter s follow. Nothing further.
6h16
